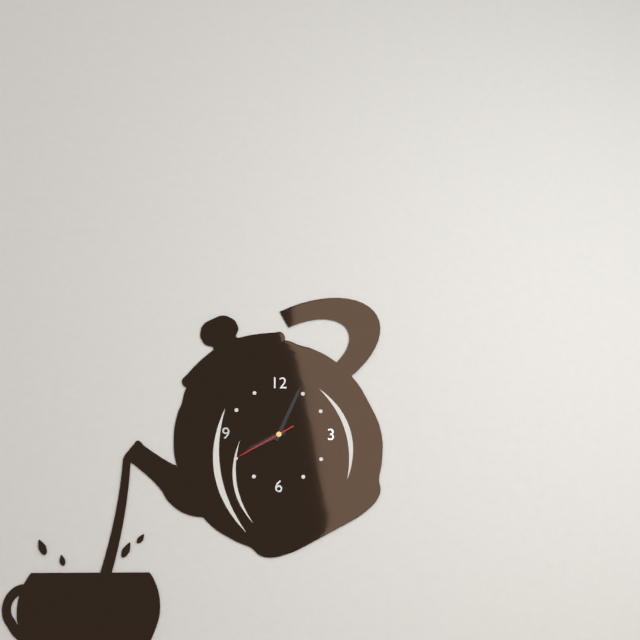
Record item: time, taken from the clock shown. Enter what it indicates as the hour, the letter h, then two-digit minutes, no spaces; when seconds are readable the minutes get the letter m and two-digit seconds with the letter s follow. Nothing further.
8h04m40s
